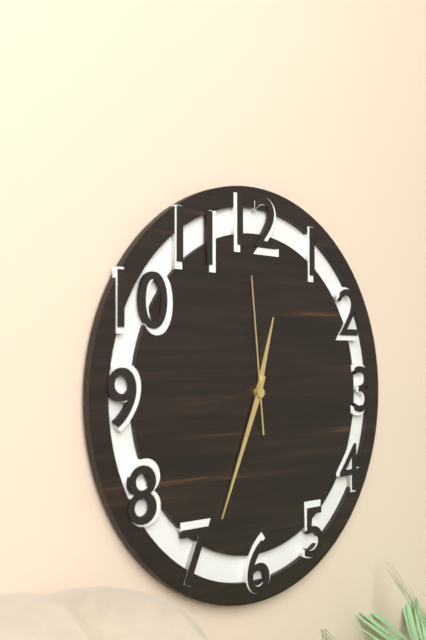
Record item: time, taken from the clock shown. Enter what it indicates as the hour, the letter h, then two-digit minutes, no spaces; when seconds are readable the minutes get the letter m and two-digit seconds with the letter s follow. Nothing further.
12h34m59s
